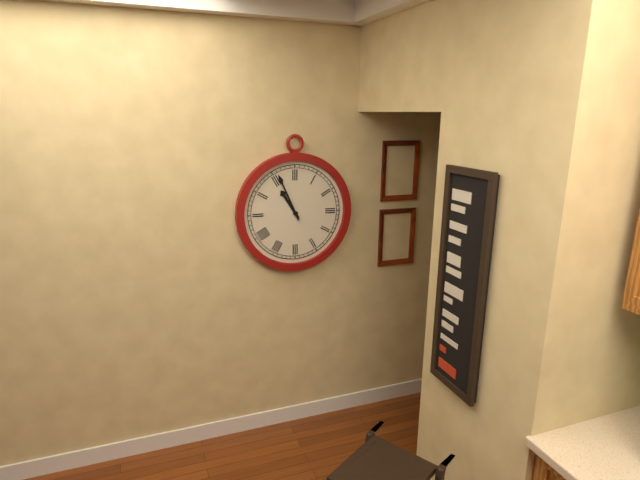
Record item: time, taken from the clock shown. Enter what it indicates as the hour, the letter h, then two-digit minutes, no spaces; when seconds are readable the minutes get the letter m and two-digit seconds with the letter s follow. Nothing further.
10h56
